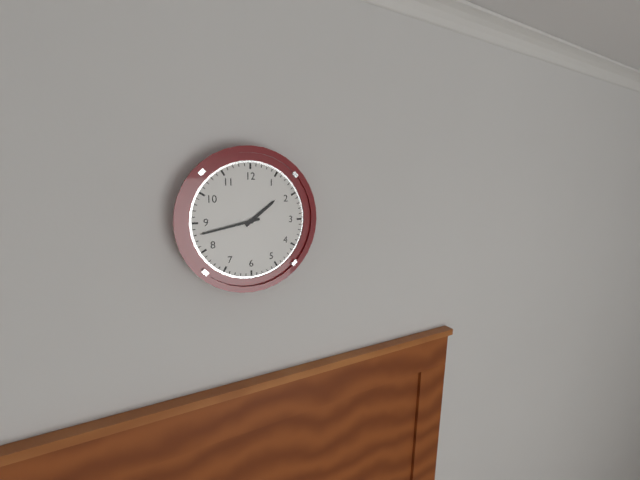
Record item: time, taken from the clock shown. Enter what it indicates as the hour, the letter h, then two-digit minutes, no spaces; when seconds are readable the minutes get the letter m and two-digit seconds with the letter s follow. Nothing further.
1h43
